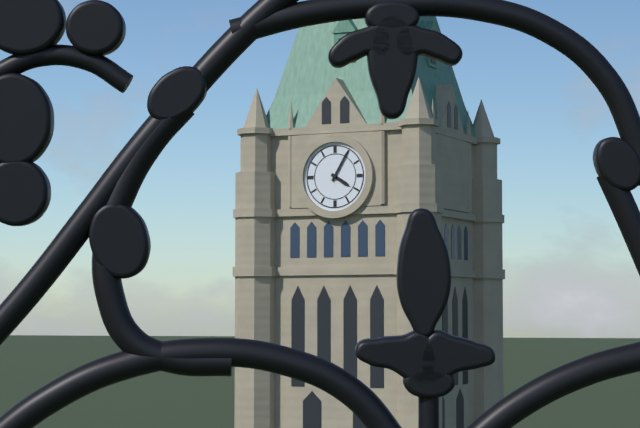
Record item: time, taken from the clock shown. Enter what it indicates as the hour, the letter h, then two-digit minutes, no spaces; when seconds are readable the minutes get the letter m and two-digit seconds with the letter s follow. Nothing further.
4h05
